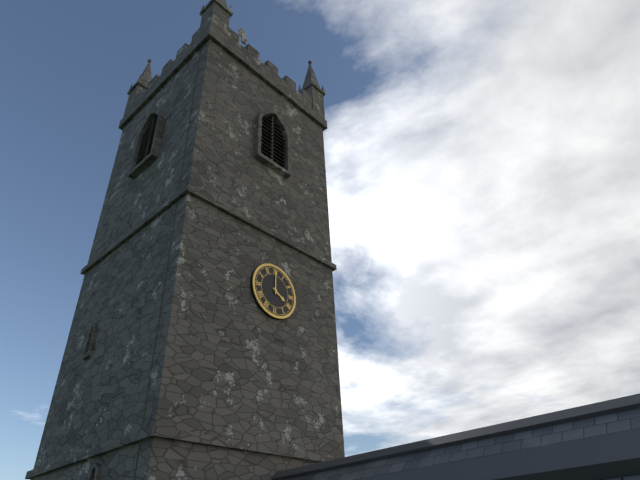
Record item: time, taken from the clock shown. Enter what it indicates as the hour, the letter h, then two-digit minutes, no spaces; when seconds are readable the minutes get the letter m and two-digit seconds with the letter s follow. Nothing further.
4h00
